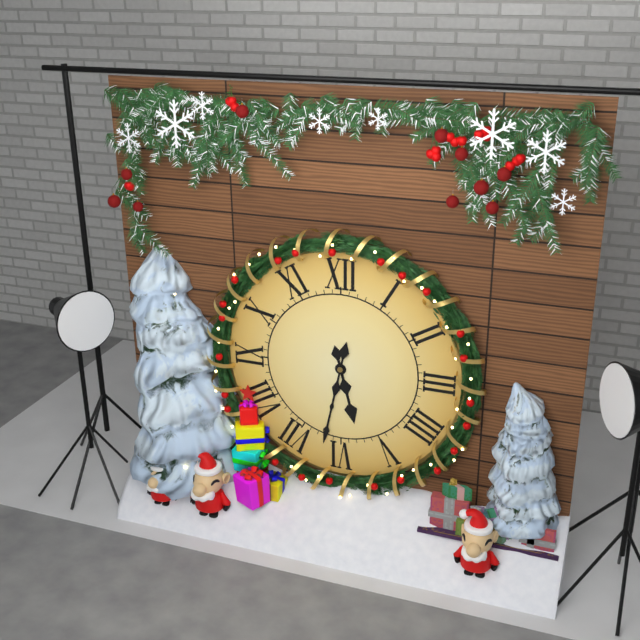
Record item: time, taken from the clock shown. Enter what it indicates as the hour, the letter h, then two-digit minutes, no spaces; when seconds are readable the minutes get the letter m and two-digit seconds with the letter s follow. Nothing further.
5h32
